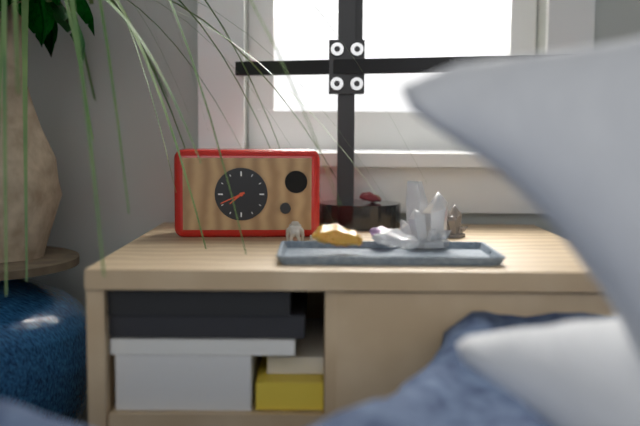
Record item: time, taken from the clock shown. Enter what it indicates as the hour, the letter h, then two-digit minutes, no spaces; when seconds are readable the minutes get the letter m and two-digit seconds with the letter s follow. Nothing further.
7h41
